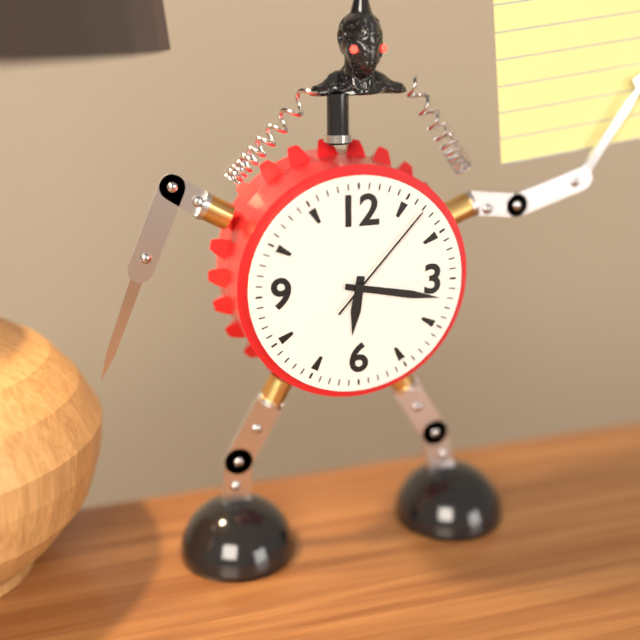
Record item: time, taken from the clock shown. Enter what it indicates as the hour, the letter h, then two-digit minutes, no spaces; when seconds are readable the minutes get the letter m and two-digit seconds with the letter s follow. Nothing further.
6h17m07s
